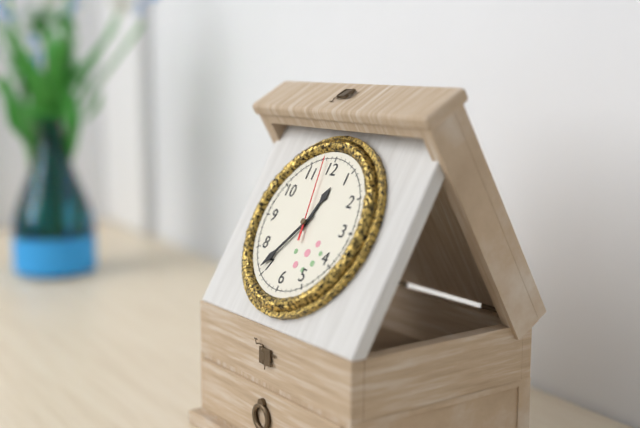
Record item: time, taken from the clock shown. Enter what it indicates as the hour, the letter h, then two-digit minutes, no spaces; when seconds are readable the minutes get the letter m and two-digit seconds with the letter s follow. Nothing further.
12h36m58s
